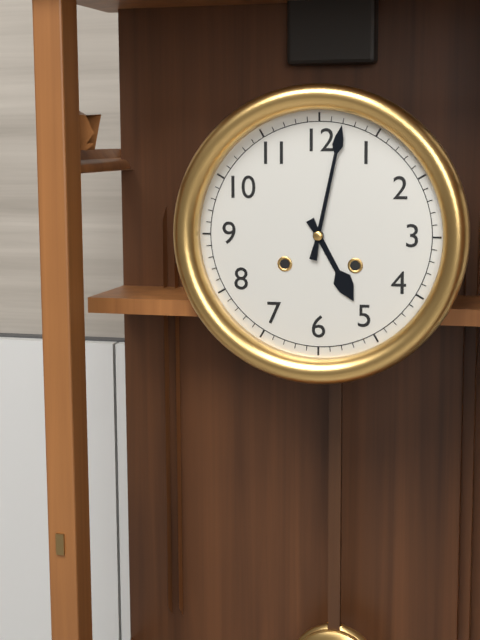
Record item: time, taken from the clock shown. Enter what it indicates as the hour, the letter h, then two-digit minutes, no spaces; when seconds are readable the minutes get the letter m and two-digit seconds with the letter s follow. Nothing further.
5h02
